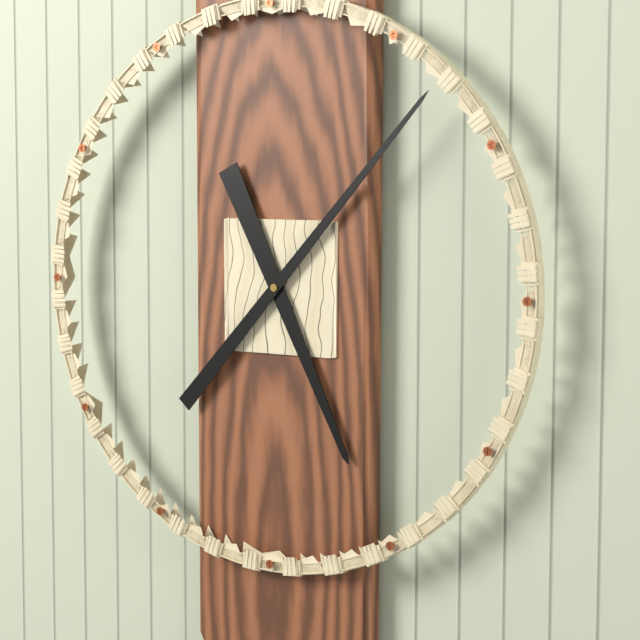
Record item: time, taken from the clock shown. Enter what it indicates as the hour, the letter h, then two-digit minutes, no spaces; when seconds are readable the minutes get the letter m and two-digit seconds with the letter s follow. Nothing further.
5h07
